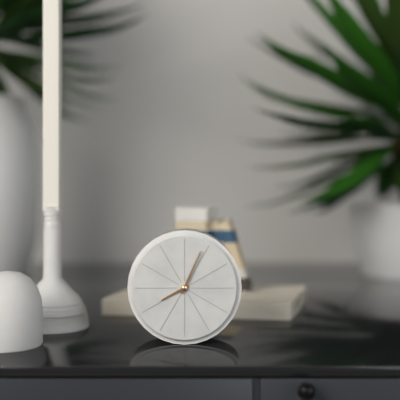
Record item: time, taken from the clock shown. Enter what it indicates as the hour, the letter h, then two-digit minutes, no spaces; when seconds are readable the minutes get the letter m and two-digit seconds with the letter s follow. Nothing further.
8h04
